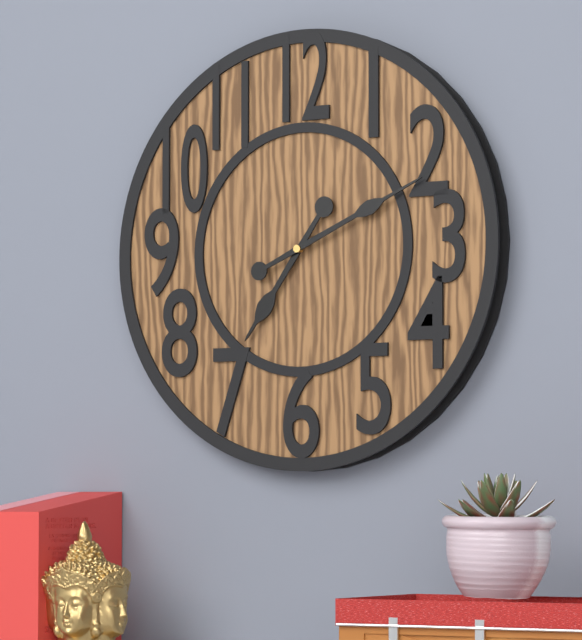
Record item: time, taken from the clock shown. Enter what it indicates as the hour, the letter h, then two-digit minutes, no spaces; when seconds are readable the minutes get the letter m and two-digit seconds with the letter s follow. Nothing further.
7h11
